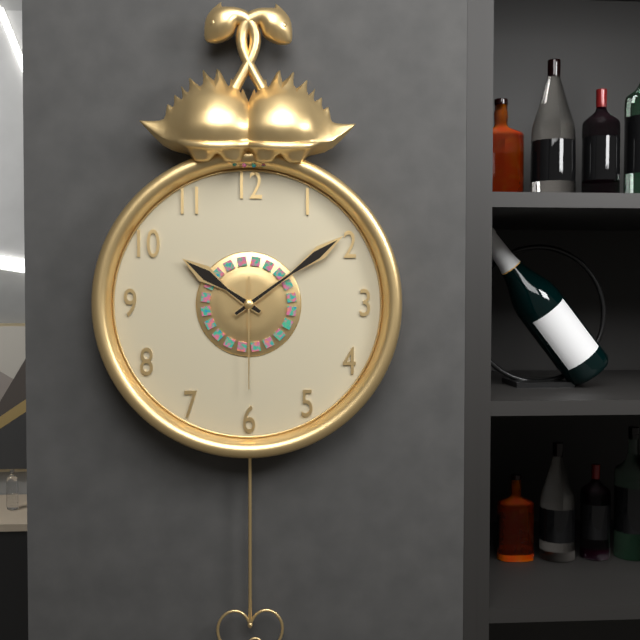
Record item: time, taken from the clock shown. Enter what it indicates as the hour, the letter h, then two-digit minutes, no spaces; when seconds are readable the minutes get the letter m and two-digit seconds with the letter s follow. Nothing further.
10h09m30s
